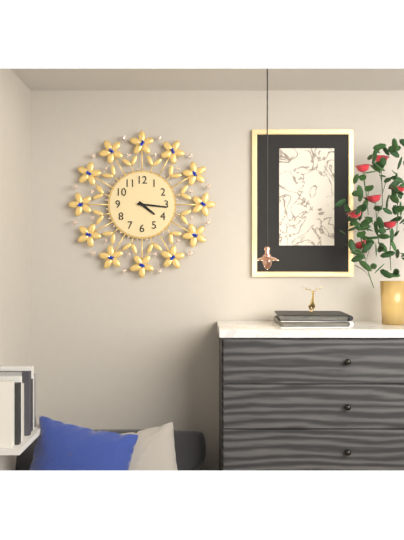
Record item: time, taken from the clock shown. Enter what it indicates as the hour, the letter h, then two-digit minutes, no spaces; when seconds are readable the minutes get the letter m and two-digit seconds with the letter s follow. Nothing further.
4h16
